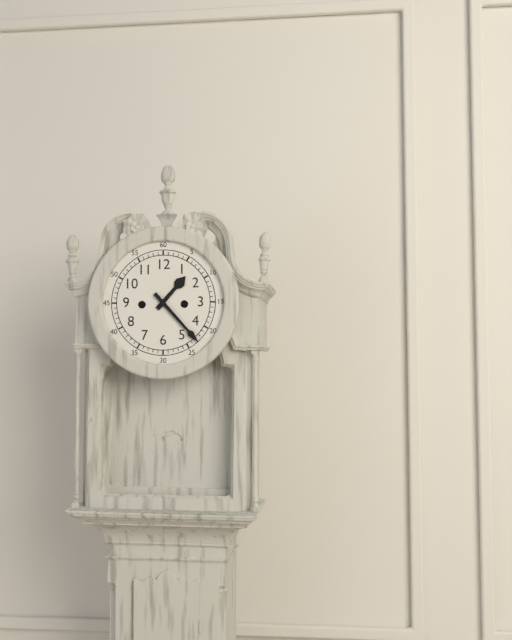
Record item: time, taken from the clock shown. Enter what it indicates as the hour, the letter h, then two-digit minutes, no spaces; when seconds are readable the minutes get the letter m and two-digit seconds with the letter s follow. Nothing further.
1h23
